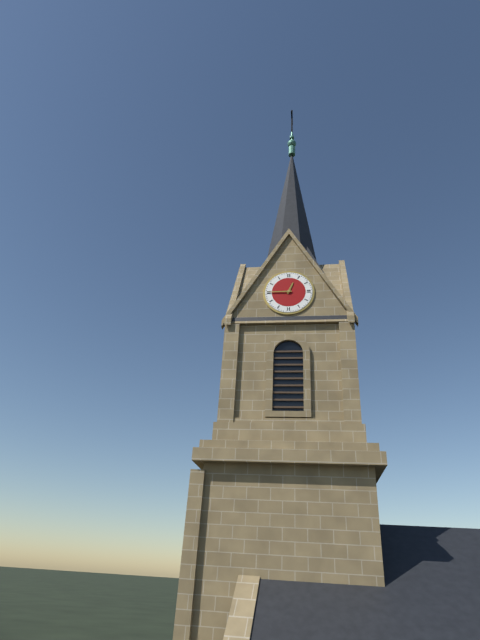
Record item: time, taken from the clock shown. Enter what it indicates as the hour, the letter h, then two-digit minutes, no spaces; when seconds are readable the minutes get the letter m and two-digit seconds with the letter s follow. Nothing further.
12h45
